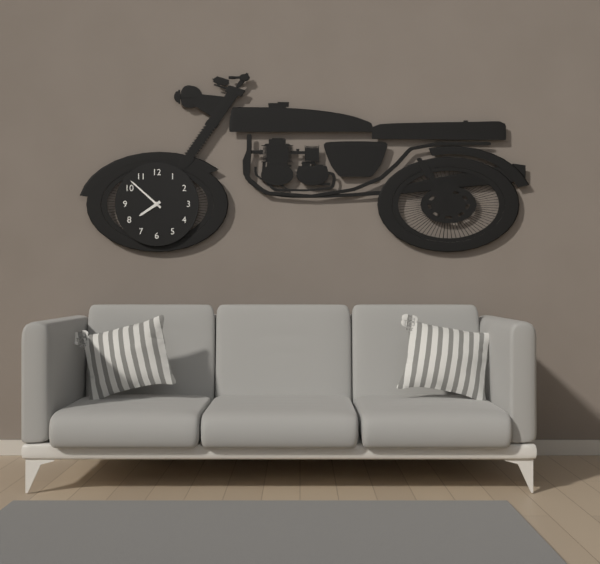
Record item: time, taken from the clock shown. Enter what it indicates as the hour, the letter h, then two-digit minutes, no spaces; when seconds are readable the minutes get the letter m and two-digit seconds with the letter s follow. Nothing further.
7h52
